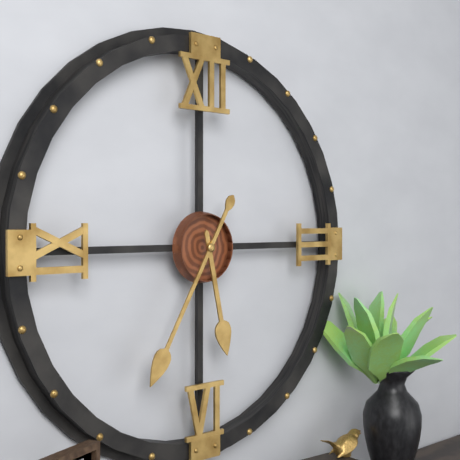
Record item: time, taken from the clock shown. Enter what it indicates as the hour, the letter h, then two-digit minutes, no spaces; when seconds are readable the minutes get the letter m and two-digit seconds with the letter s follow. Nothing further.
5h35
